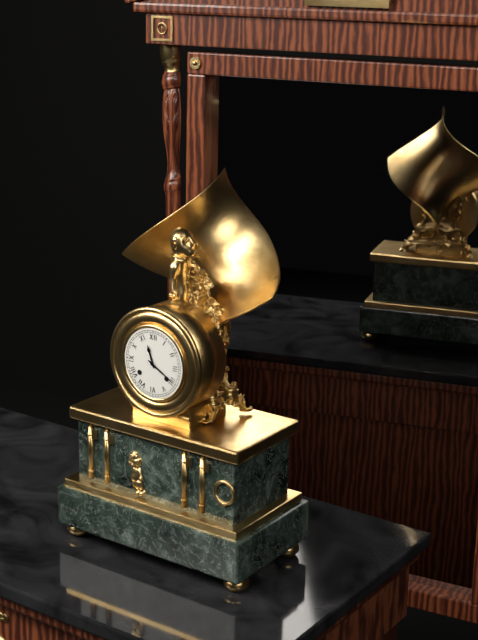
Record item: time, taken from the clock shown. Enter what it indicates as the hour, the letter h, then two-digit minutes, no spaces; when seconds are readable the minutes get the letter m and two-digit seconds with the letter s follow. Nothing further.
11h20
